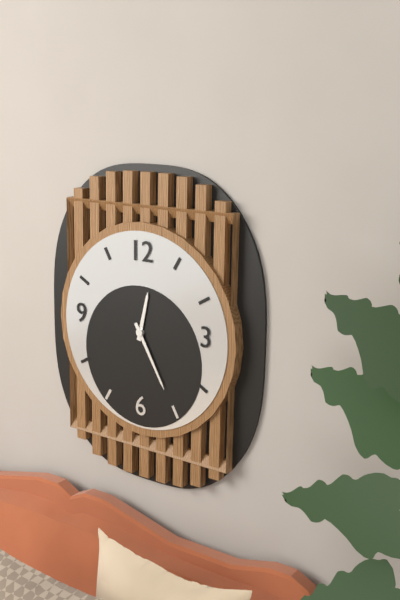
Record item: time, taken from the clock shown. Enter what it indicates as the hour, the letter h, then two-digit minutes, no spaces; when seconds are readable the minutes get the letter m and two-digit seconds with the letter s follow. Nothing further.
12h25
